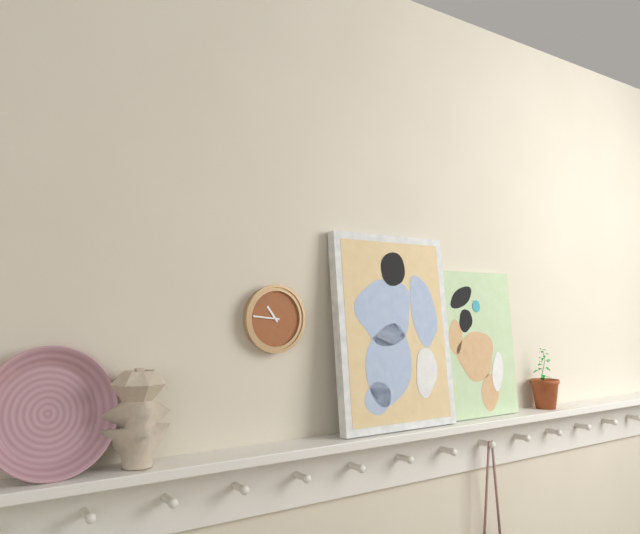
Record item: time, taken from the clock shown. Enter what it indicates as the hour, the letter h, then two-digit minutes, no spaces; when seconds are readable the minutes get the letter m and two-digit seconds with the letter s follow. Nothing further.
10h46
